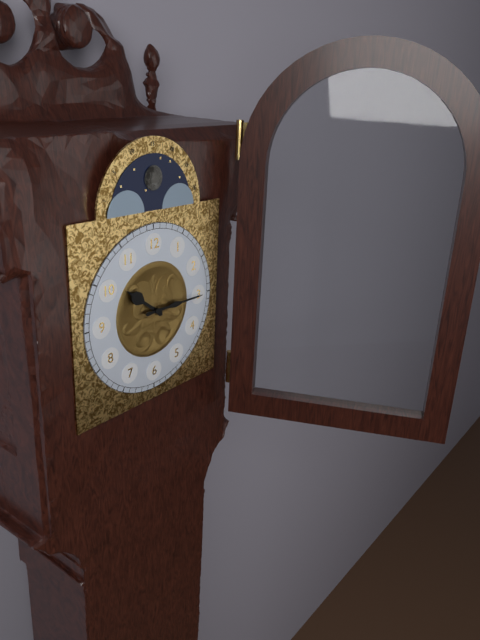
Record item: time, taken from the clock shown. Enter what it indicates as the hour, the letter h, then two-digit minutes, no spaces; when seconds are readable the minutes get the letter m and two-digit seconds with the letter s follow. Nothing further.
10h15
